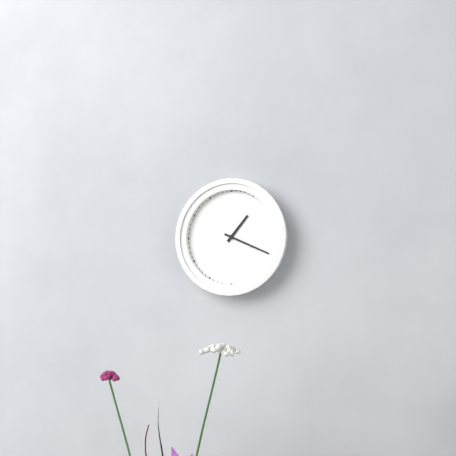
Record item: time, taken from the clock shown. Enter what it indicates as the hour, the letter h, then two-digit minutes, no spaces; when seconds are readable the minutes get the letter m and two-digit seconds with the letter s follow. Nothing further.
1h19
